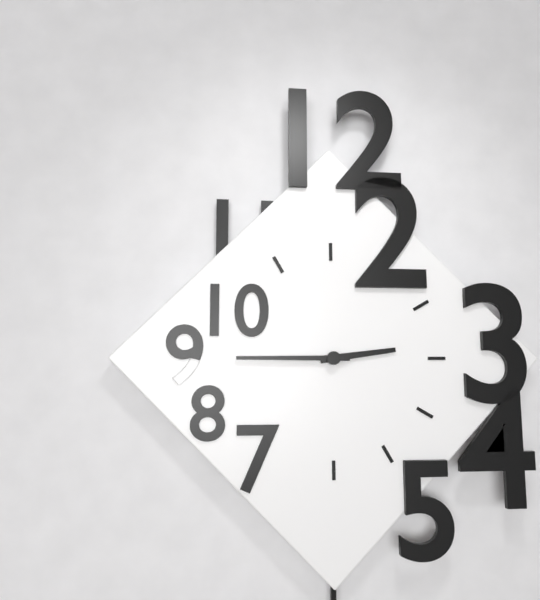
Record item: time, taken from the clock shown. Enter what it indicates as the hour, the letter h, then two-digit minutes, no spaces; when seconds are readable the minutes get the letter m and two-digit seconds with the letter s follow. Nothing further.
2h45
